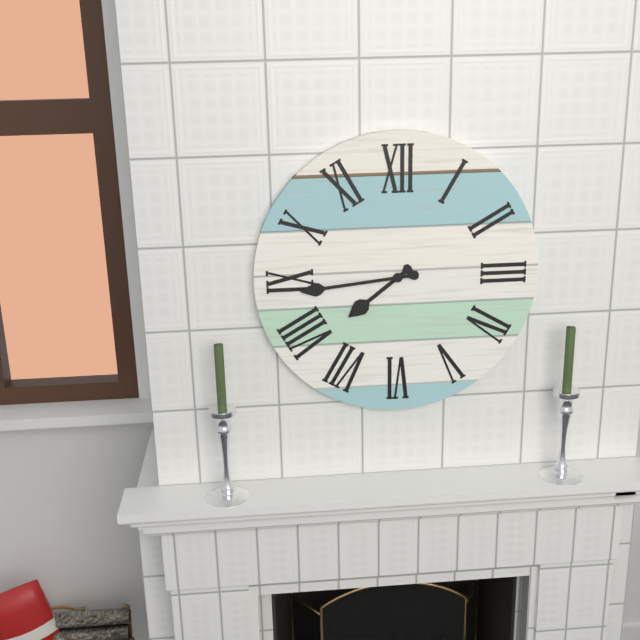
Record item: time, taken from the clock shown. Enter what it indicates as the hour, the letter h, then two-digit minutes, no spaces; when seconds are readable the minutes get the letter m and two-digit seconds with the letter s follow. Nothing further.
7h44
